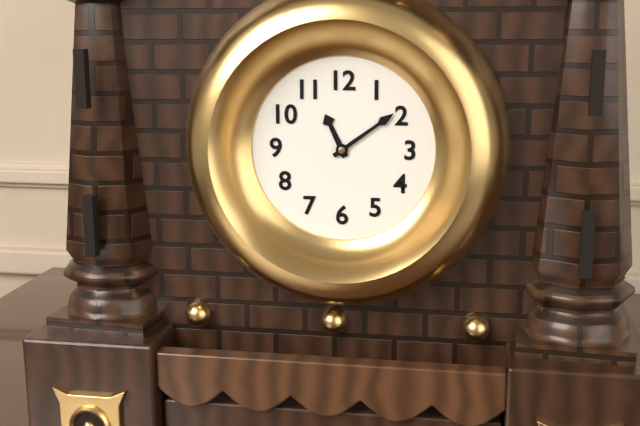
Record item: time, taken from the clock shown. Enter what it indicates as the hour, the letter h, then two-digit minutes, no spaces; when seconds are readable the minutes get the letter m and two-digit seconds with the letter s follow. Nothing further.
11h09
